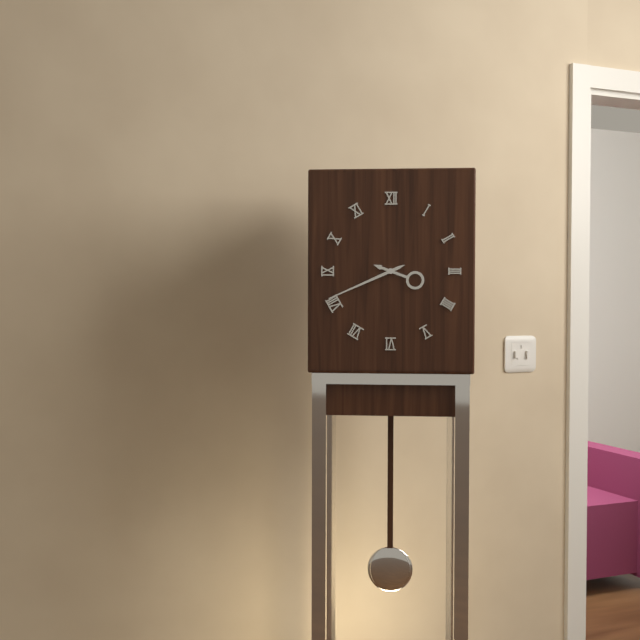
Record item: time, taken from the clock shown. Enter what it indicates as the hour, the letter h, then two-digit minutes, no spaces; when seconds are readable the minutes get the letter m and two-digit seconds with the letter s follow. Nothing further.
3h41
